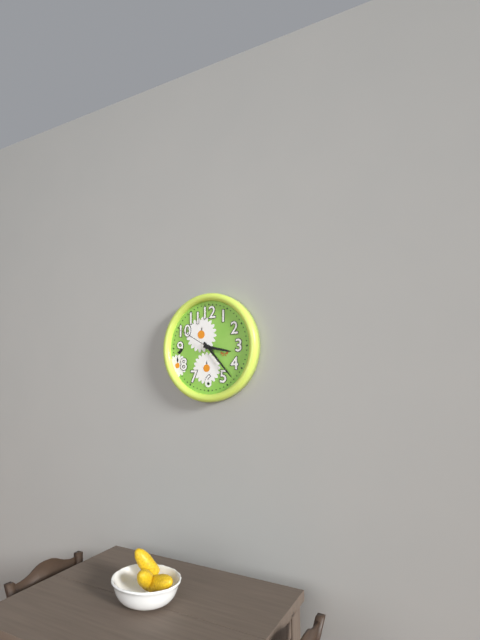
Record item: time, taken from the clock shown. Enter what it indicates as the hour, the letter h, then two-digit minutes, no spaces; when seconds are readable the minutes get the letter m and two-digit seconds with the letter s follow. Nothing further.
3h23
